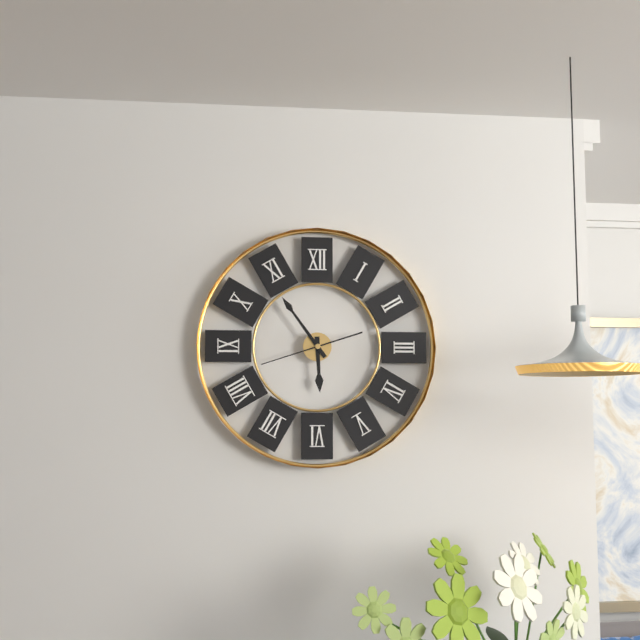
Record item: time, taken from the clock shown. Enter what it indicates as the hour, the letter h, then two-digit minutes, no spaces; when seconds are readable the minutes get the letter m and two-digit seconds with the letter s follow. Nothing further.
5h54m42s
